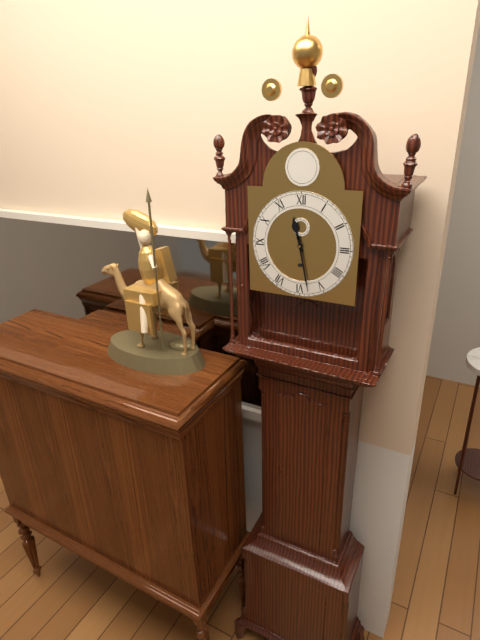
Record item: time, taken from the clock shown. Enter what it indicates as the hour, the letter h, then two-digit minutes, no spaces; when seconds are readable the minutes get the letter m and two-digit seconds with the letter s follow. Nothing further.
11h28
